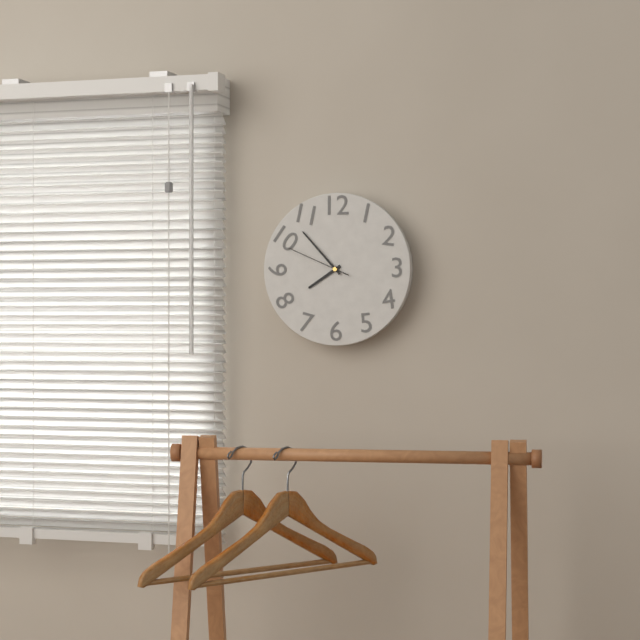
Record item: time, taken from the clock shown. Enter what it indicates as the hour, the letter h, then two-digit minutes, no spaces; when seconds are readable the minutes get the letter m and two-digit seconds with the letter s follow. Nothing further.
7h53m49s
